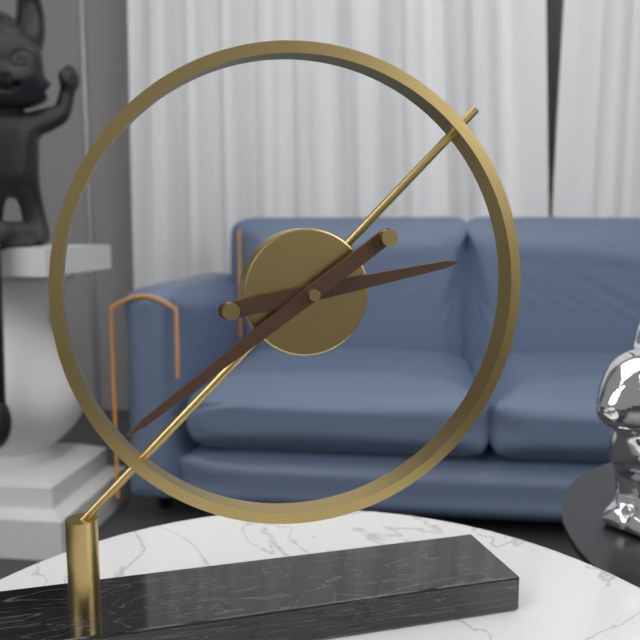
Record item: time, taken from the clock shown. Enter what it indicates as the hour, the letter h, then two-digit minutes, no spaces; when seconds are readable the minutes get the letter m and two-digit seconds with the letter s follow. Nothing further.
2h39
